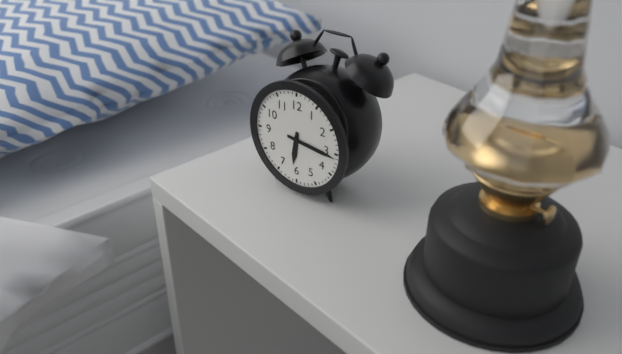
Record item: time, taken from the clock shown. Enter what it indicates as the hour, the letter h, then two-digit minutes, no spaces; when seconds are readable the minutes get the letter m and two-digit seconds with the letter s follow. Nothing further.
6h16
